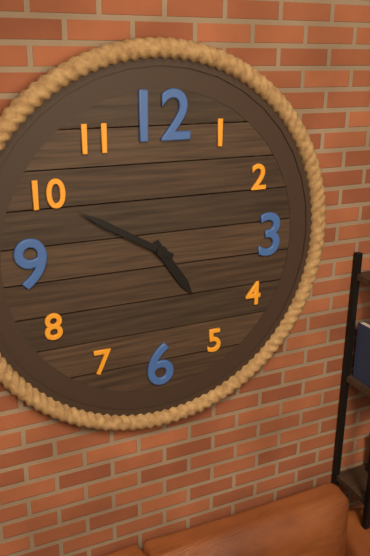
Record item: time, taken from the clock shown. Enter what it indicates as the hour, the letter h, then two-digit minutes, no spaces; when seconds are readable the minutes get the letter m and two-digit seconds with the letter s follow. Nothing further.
4h50
